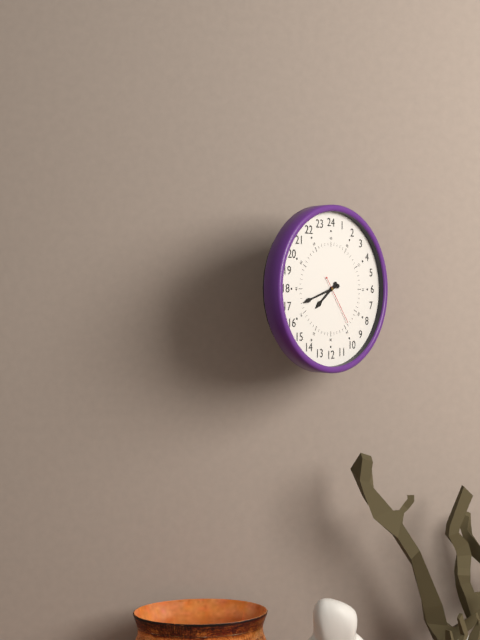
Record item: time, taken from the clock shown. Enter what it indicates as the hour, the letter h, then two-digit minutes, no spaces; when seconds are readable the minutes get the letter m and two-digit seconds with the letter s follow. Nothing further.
7h42m24s
